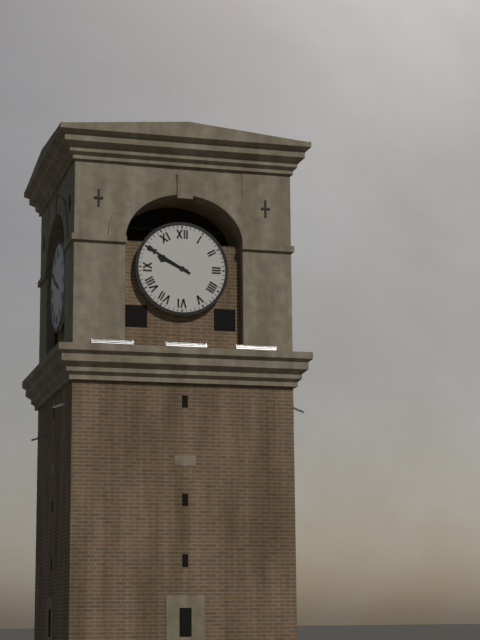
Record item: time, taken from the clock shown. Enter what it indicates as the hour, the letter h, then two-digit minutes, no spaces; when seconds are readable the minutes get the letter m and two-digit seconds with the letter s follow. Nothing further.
9h50
